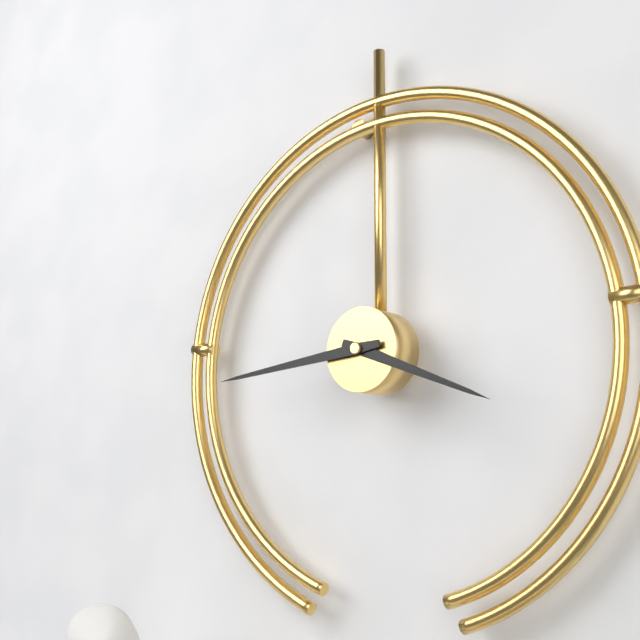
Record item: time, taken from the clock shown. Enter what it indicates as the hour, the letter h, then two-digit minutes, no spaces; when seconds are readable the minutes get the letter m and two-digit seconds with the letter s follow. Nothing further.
3h44
